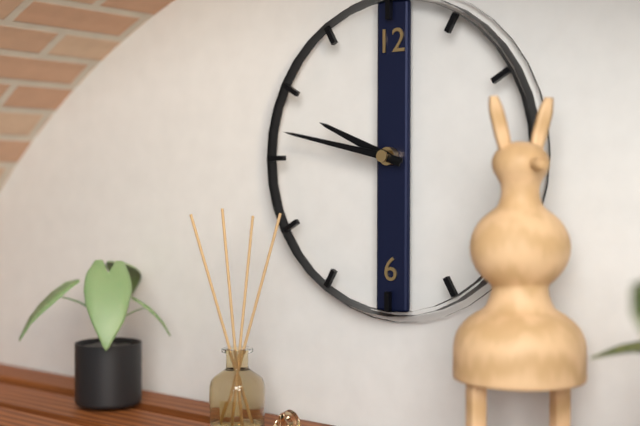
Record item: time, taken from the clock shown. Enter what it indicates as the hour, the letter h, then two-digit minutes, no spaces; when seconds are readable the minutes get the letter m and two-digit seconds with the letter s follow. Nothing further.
9h47
